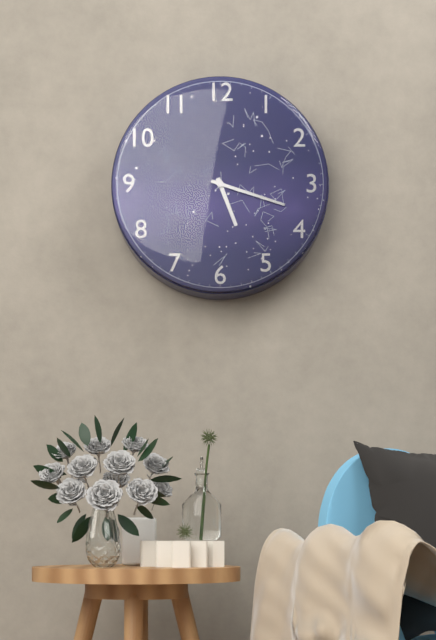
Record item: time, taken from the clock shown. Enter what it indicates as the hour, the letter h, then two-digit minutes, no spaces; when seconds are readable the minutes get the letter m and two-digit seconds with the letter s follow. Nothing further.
5h18
